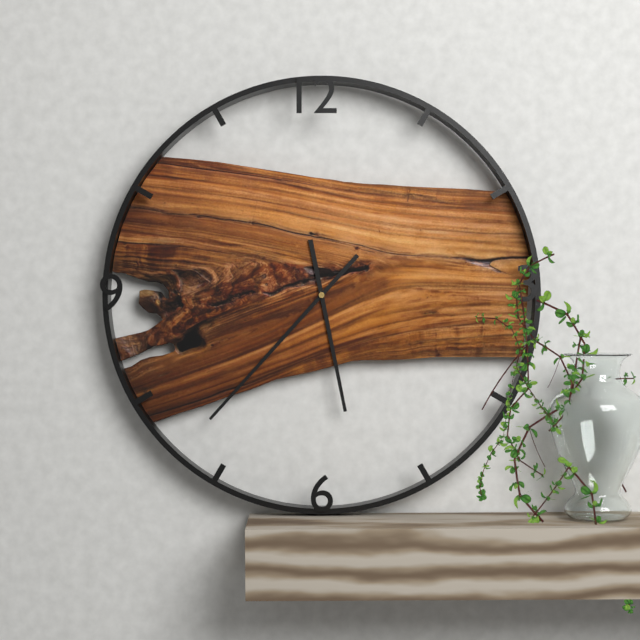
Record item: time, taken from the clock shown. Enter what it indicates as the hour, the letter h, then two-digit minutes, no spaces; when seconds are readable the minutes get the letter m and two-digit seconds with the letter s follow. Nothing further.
5h37
